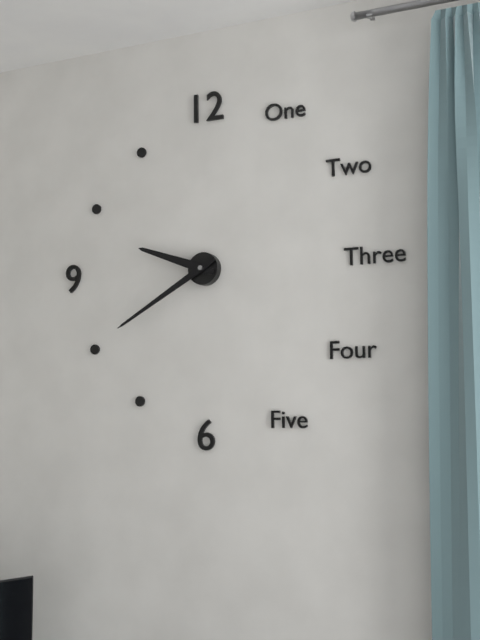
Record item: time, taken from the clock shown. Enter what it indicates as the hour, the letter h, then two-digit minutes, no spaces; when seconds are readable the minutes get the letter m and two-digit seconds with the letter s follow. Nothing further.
9h40
